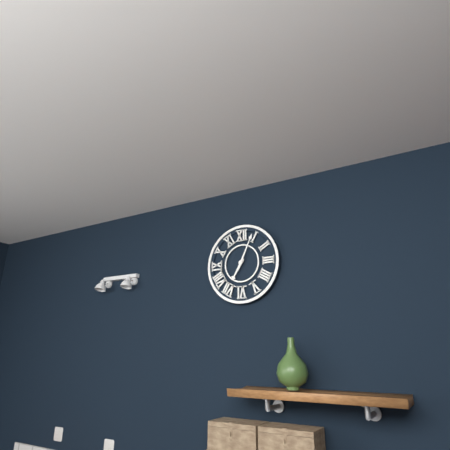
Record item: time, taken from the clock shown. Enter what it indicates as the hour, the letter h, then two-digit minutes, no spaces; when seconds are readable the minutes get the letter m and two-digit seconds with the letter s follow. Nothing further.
7h04
